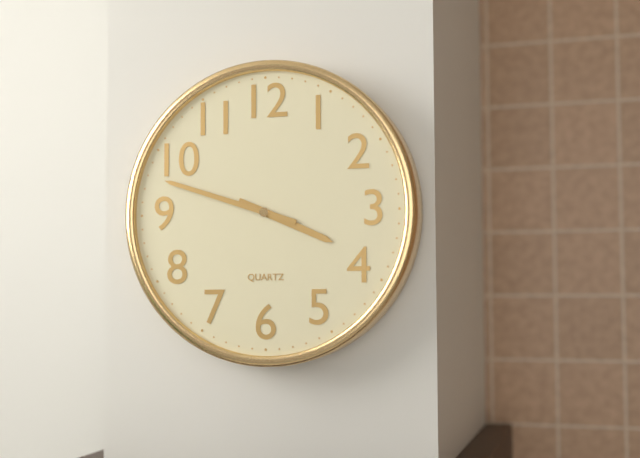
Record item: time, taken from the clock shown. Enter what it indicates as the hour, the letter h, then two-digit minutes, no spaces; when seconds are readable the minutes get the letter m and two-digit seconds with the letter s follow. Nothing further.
3h48
